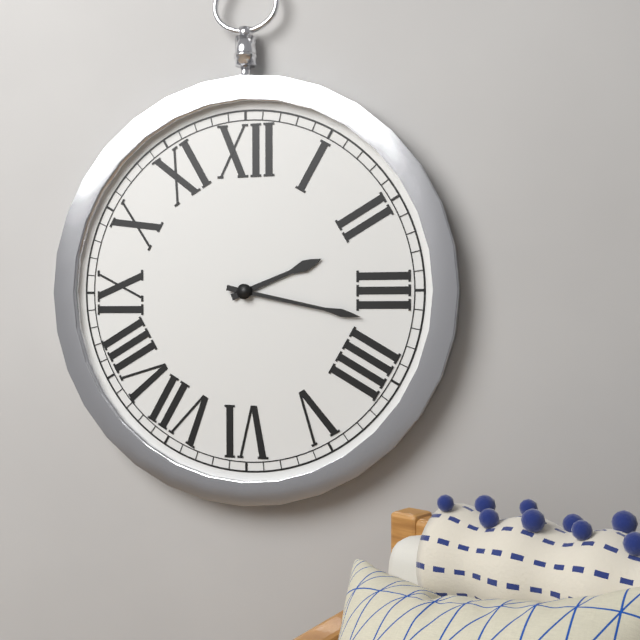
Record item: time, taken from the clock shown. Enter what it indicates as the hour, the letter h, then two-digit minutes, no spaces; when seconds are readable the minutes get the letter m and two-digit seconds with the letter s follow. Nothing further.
2h17
